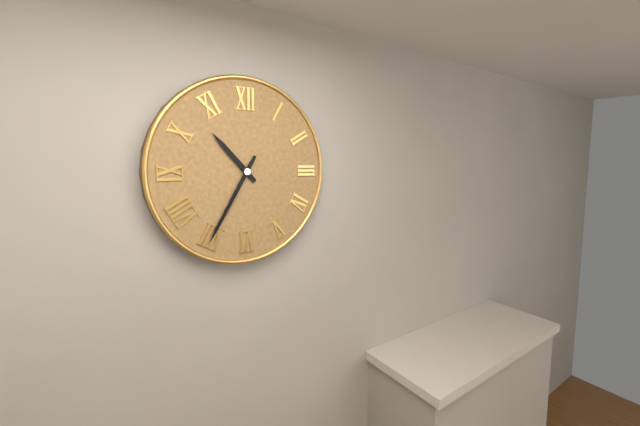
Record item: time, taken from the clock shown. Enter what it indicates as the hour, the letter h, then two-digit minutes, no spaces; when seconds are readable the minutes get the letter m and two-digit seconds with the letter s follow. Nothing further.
10h35
